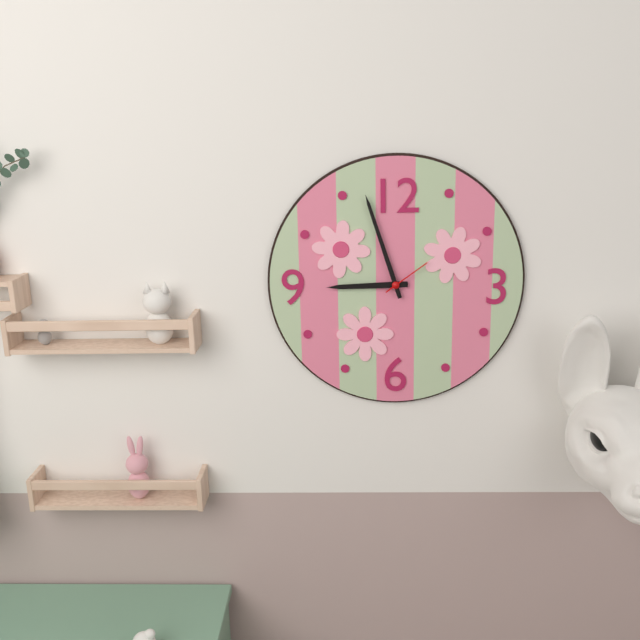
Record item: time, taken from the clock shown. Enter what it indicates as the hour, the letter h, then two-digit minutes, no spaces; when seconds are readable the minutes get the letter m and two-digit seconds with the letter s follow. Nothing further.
8h57
